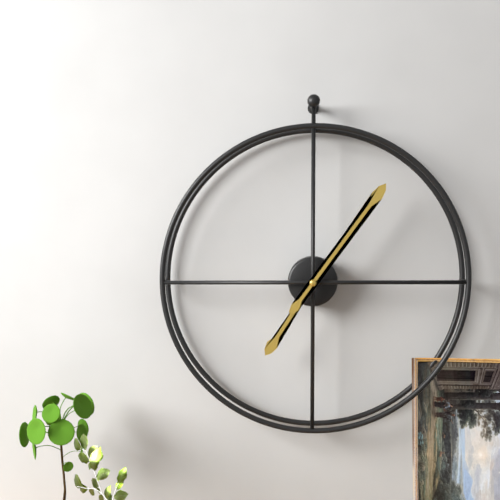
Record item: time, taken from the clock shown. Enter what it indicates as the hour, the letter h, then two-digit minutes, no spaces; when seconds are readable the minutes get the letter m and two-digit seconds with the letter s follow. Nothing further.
7h06
